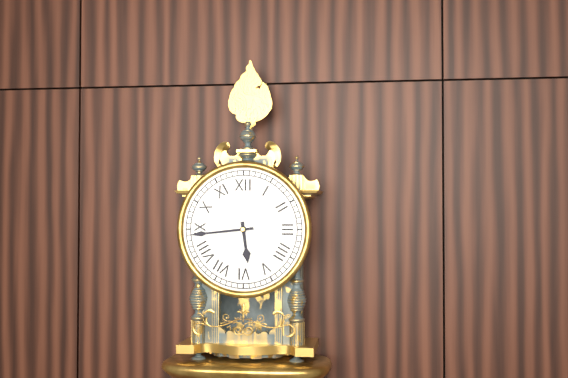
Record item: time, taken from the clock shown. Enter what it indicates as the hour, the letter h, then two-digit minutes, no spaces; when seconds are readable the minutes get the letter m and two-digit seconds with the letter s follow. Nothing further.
5h44
